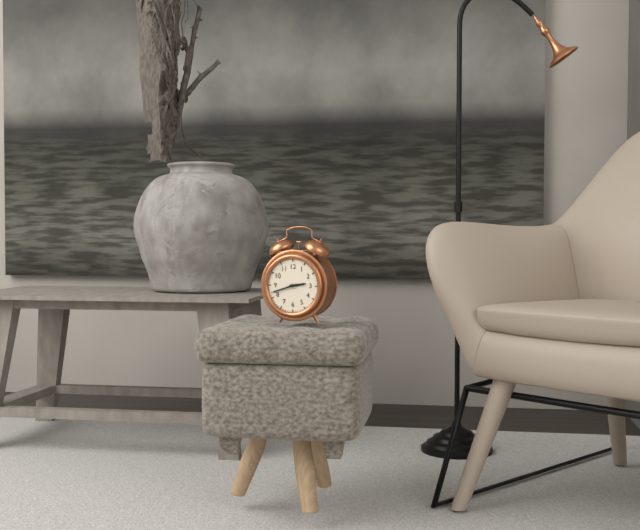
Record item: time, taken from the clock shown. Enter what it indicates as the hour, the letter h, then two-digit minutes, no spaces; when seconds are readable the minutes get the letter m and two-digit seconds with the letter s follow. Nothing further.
2h42
